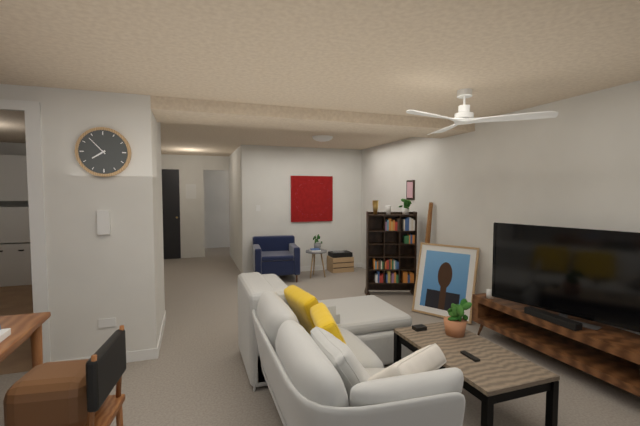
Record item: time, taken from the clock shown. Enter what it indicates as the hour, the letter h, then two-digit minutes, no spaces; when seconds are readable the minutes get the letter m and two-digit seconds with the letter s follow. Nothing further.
7h53
